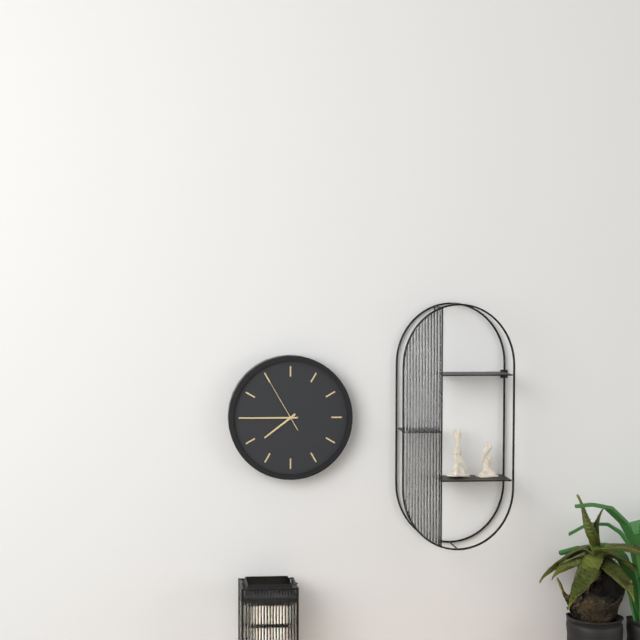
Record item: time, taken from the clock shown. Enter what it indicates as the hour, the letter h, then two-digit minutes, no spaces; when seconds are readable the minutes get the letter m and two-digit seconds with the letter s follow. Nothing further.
7h45m55s
